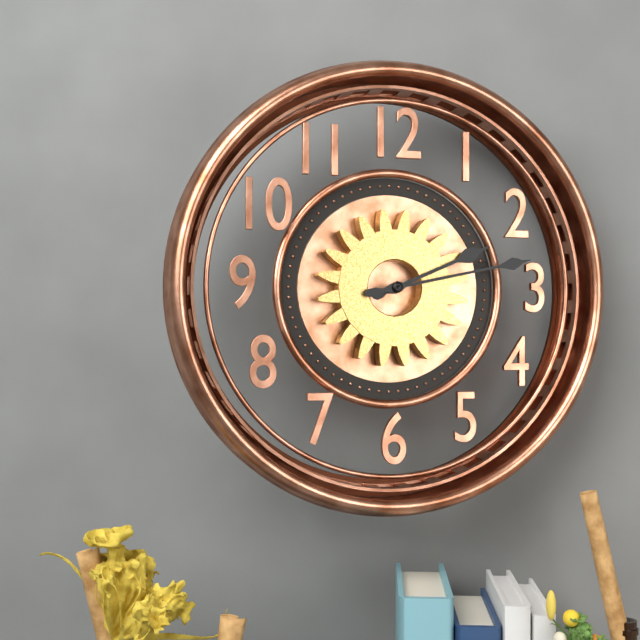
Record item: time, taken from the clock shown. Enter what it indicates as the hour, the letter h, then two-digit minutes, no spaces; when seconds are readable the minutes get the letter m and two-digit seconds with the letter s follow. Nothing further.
2h13
